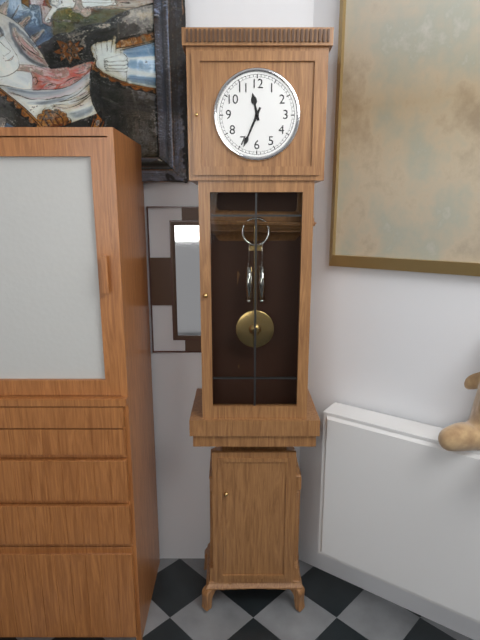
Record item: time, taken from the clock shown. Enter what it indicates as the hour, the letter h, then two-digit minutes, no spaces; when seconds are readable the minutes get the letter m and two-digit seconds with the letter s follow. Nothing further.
11h34
